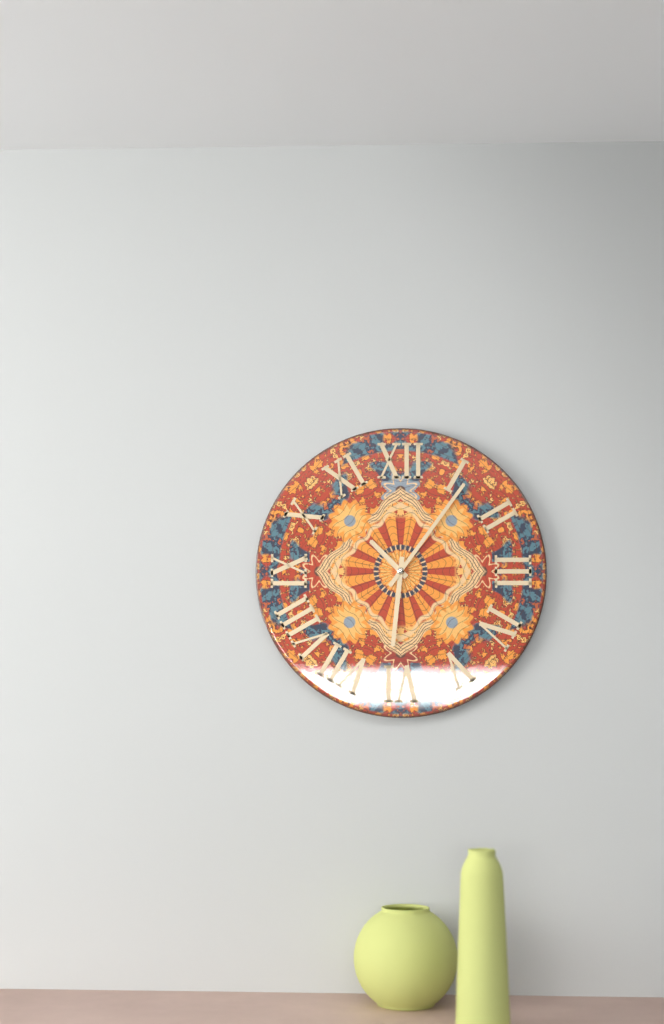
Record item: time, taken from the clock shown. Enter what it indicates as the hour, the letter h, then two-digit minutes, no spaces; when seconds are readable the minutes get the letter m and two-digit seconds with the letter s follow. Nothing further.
10h31m06s
